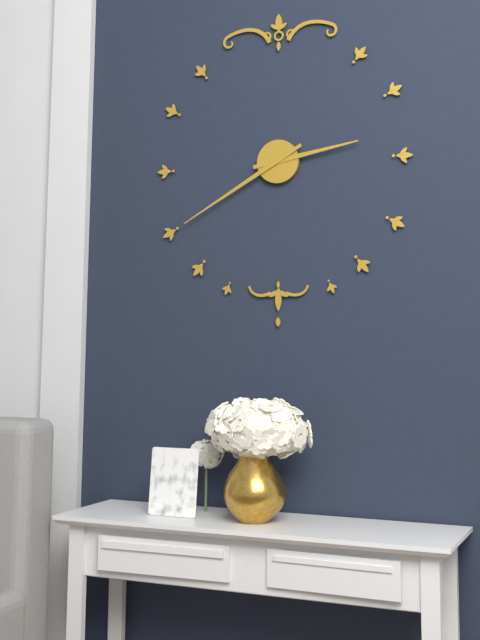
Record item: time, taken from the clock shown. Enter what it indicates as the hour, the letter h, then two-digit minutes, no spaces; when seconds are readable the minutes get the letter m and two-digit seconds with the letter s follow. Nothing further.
2h40
